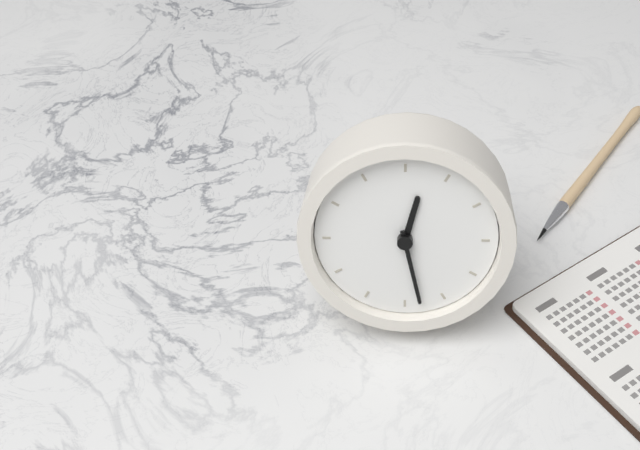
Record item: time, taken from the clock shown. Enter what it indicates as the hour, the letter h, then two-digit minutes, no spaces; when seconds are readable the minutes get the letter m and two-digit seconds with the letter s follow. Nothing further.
12h28
